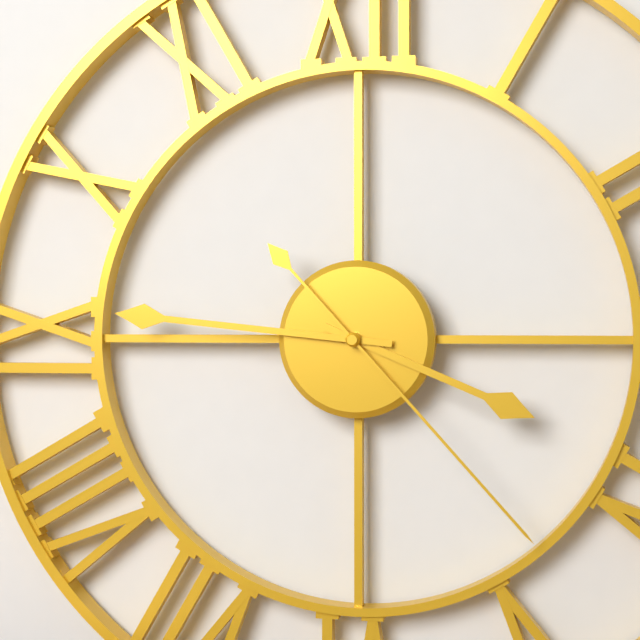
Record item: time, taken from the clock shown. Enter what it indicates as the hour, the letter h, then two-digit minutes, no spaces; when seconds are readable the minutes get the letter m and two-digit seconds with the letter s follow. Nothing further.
3h46m23s
